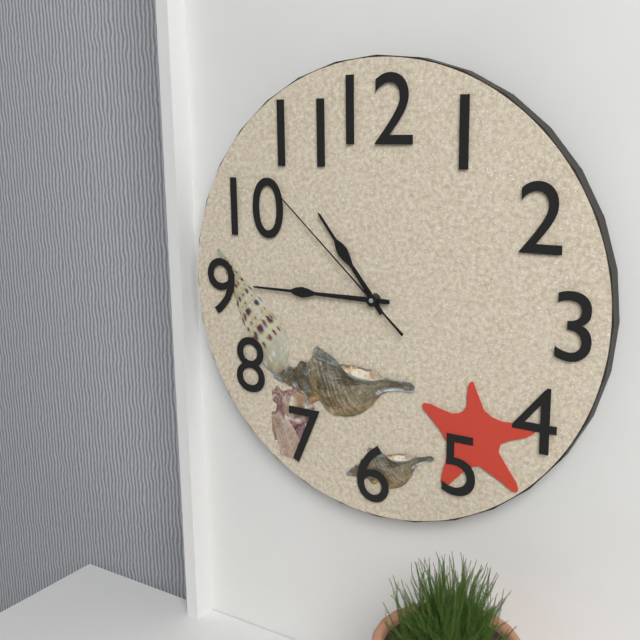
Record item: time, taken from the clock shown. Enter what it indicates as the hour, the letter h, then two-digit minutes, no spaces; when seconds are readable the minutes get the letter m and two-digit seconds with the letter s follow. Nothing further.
10h45m52s
